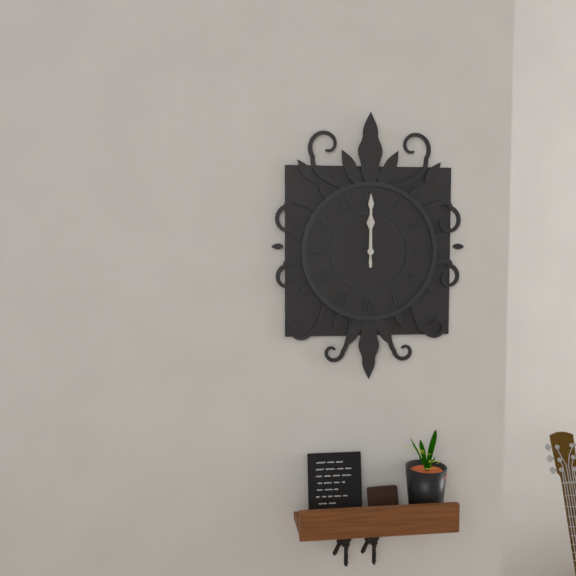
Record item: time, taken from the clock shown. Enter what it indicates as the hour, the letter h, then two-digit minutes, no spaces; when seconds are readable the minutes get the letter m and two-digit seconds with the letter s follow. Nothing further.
12h00
